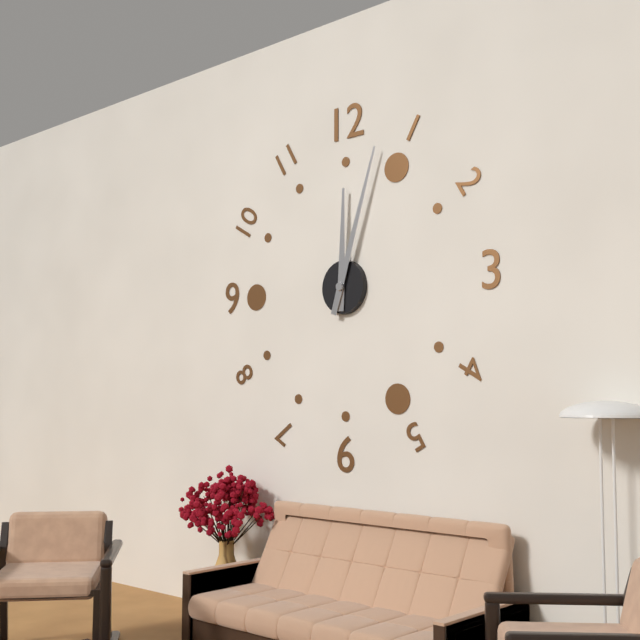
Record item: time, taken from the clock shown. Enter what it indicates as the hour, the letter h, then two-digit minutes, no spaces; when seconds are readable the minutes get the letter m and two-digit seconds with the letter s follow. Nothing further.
12h03
